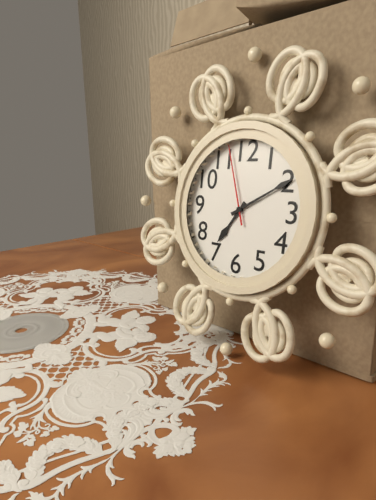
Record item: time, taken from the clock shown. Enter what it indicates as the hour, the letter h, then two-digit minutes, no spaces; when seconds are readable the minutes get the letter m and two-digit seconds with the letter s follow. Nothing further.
7h10m57s
